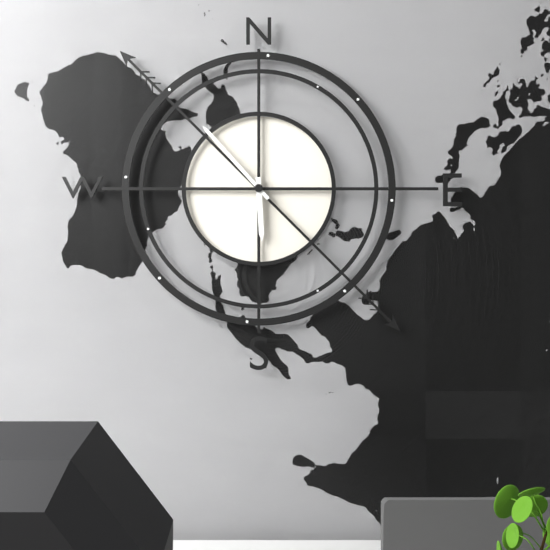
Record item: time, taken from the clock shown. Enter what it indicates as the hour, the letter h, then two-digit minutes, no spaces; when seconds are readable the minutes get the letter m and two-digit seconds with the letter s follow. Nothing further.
5h53
